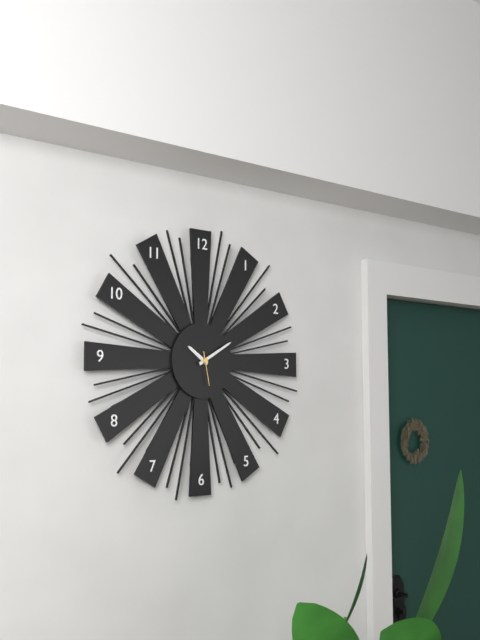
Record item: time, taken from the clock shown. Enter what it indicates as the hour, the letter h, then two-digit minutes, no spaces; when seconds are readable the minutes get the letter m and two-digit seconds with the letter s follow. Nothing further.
10h10
